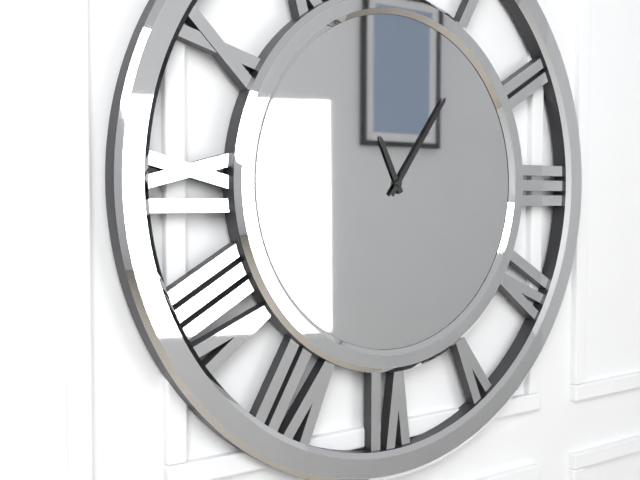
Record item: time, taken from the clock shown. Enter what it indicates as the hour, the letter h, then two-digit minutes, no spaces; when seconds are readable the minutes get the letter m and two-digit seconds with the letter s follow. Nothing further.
11h06
